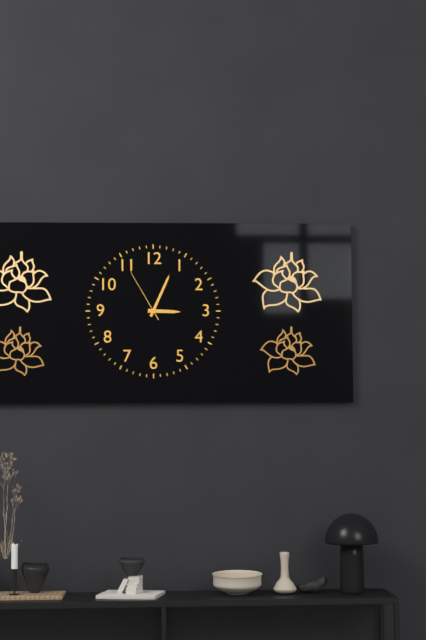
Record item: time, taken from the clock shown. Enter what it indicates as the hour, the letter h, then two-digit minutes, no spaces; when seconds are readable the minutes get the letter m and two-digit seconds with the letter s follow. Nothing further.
3h04m55s
